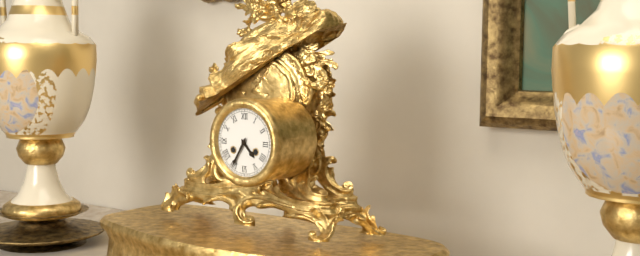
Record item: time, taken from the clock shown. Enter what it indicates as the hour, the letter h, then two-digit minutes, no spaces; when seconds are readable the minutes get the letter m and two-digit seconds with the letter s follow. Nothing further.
4h35
